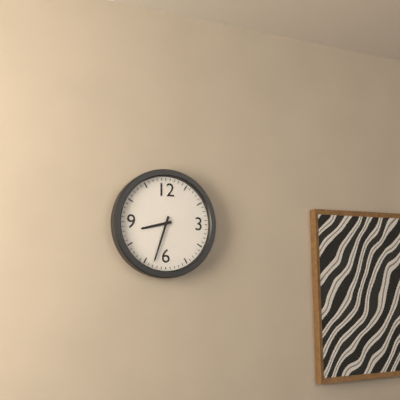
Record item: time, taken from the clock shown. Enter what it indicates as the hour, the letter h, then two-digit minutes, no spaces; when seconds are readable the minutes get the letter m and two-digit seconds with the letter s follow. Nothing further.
8h33
